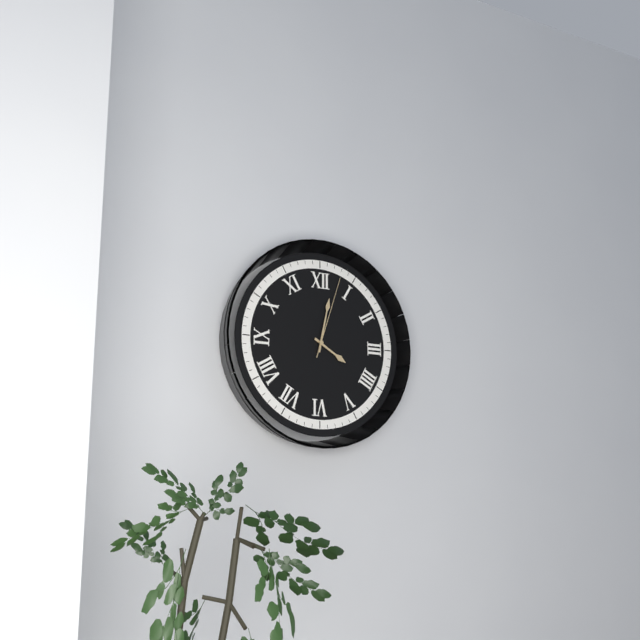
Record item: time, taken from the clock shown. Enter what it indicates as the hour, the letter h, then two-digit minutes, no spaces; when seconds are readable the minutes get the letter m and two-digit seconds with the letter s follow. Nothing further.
4h02m03s
